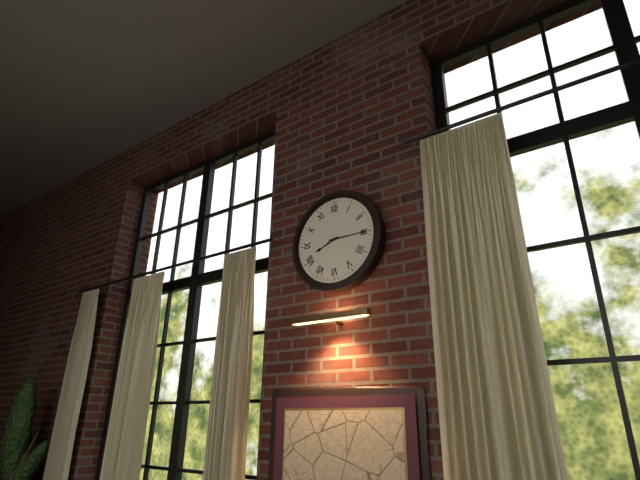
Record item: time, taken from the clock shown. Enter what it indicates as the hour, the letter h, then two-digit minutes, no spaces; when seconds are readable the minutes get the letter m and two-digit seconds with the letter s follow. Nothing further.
8h15
